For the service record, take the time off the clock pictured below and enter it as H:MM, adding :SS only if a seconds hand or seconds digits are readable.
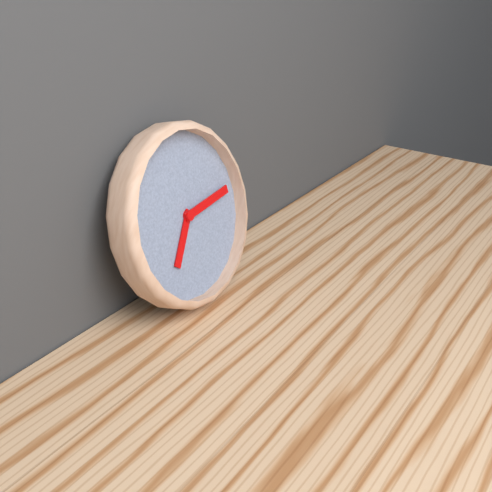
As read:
7:14
